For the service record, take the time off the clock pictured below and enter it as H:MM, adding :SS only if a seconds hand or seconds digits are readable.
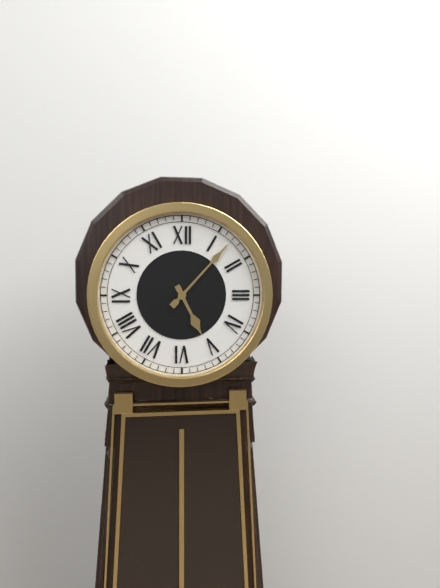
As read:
5:07
